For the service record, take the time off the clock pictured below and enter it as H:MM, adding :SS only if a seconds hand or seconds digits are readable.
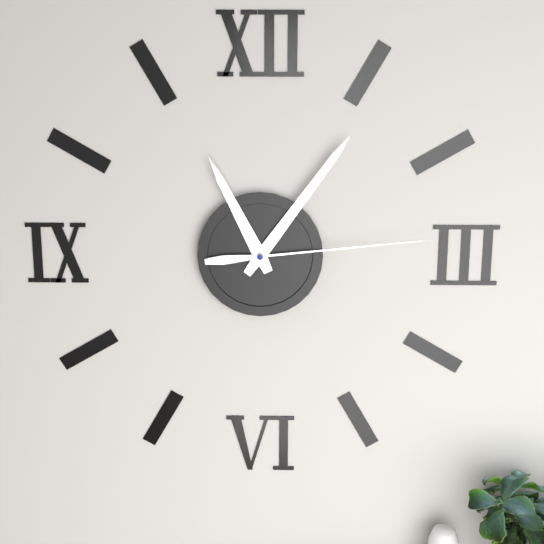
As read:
11:06:14
